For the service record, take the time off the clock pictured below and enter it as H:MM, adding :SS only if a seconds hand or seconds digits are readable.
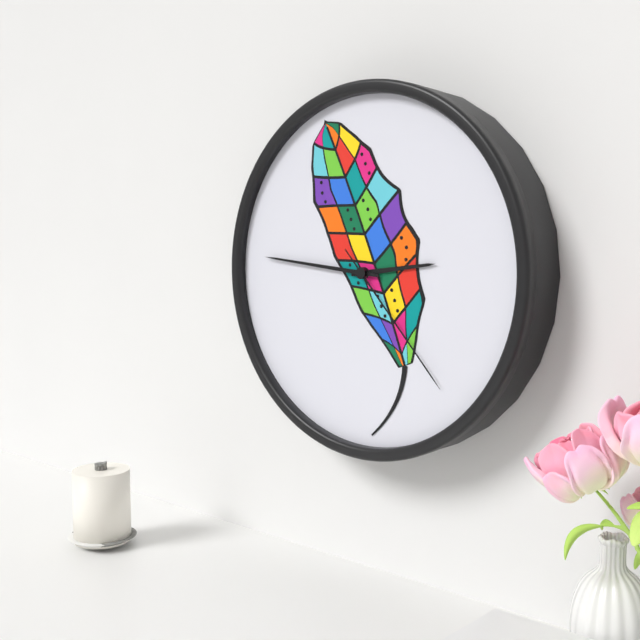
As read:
2:46:23
